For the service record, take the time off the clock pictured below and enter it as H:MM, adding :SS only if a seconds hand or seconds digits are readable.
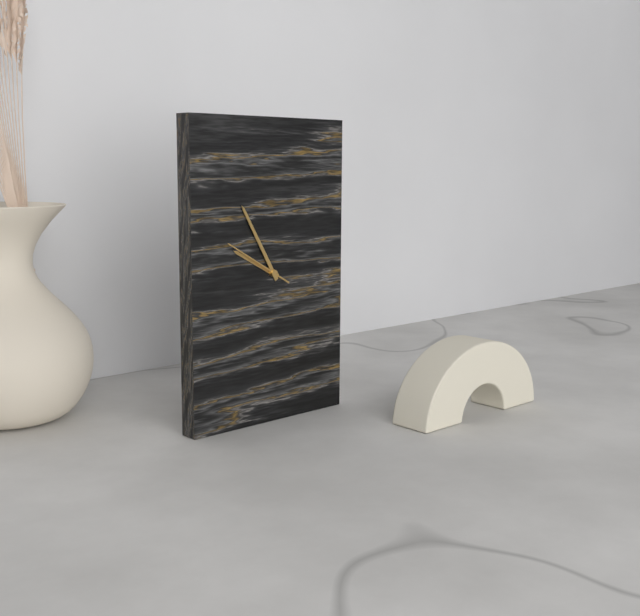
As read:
9:55:50
